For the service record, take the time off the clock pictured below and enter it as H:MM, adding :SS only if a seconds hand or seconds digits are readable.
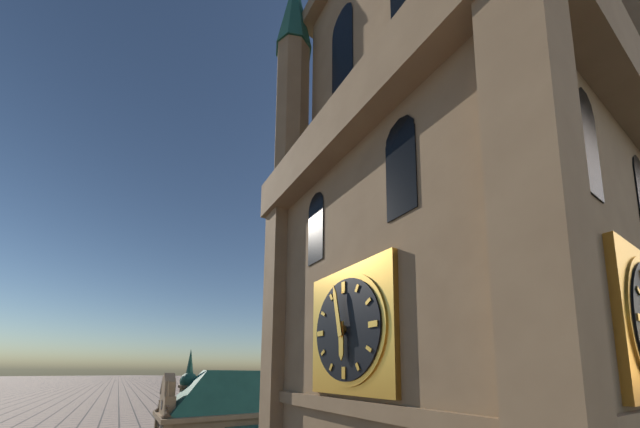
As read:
5:58
